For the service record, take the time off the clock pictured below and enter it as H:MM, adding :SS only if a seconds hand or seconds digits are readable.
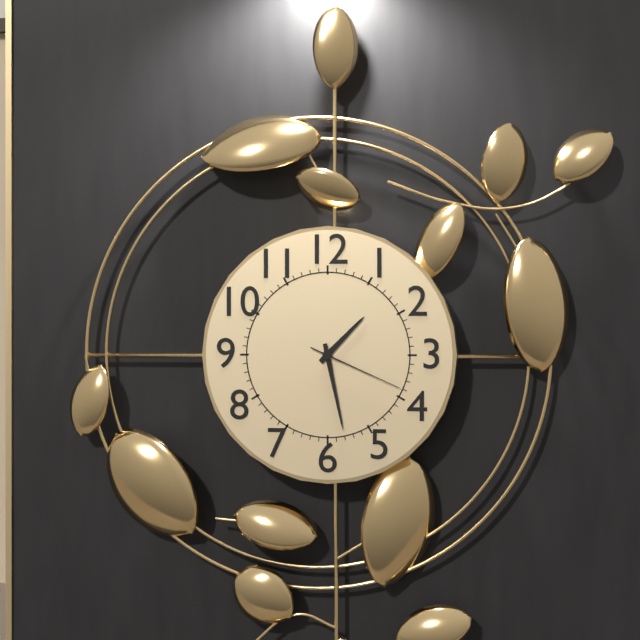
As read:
1:28:19
